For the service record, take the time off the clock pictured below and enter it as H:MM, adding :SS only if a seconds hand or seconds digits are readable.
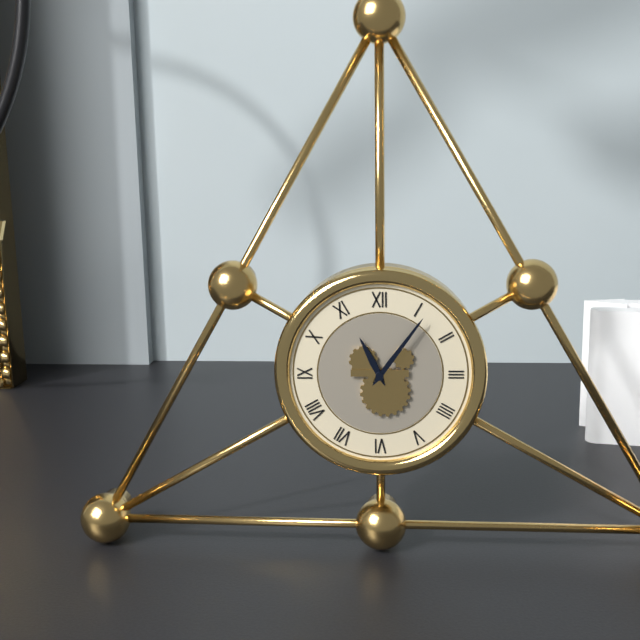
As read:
11:06
